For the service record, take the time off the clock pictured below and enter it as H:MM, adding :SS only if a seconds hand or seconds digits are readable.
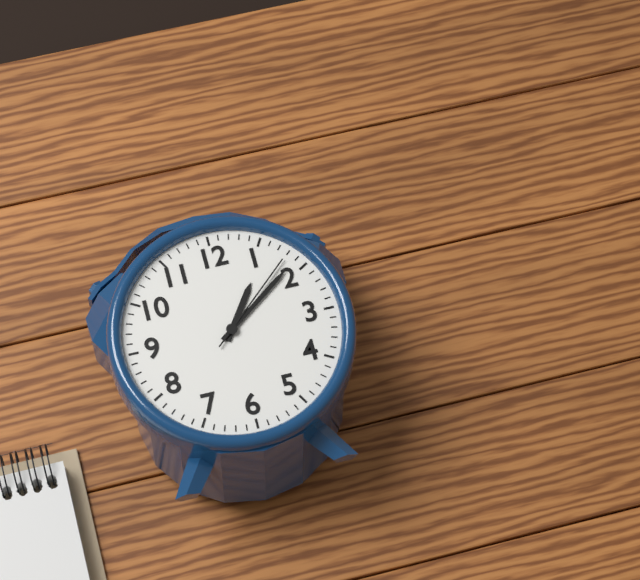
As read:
1:09:08
